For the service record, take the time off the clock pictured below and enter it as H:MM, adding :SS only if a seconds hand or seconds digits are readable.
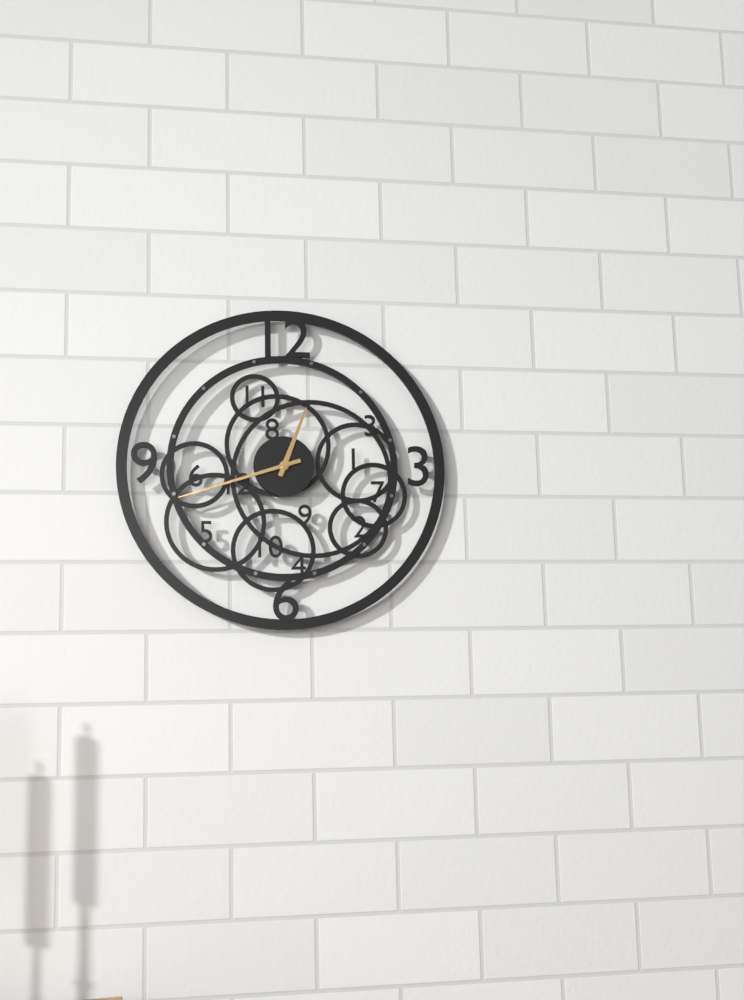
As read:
12:42
